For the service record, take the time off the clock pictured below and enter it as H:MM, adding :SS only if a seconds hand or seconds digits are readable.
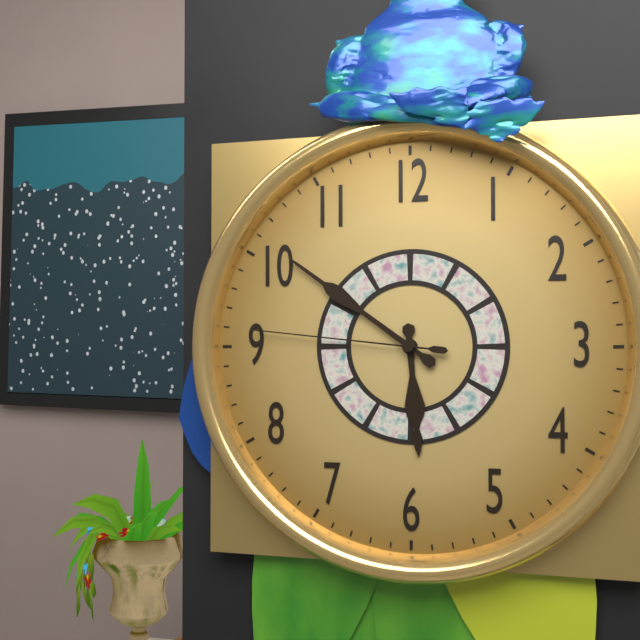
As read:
5:51:46
